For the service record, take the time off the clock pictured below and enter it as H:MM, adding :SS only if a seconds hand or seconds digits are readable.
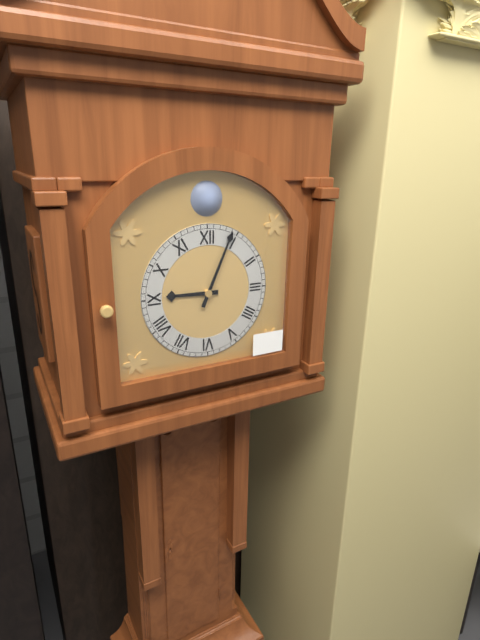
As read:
9:04
